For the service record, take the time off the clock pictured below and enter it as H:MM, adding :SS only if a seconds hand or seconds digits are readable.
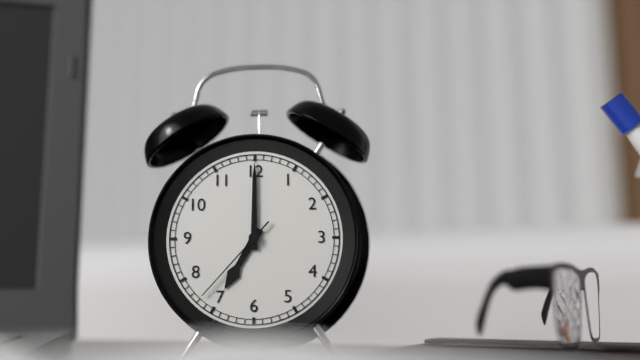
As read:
7:00:37
